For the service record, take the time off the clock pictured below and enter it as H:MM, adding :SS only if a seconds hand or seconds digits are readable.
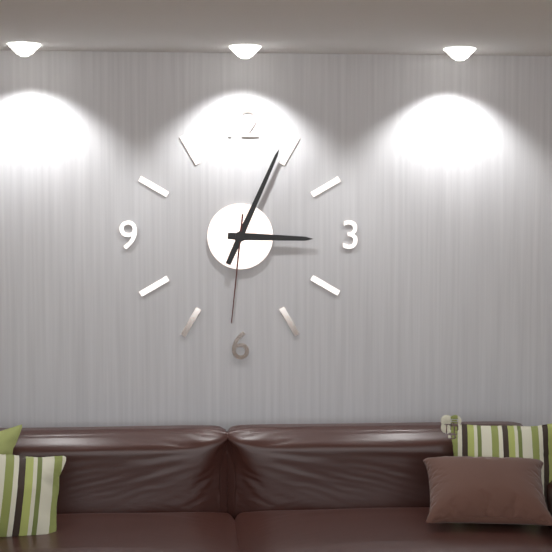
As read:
3:04:31
